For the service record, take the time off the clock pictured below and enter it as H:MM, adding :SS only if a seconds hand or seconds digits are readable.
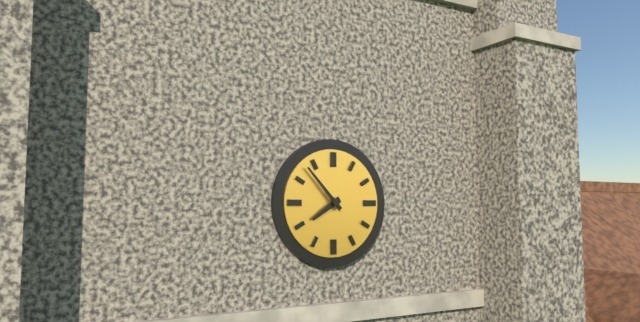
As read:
7:53
